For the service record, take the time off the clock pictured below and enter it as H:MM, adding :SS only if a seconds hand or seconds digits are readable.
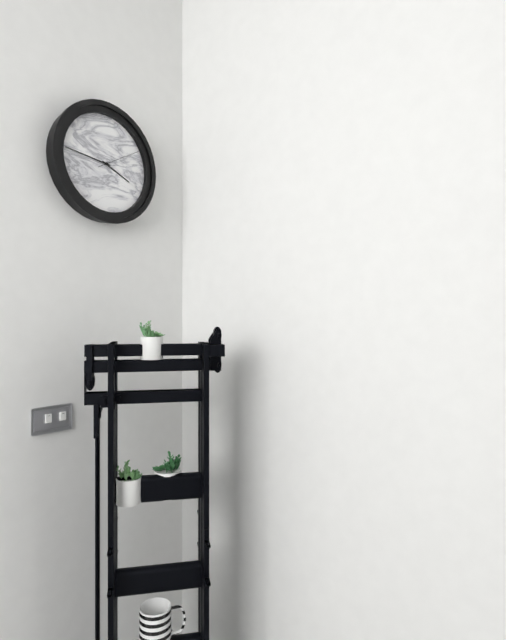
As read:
3:46
